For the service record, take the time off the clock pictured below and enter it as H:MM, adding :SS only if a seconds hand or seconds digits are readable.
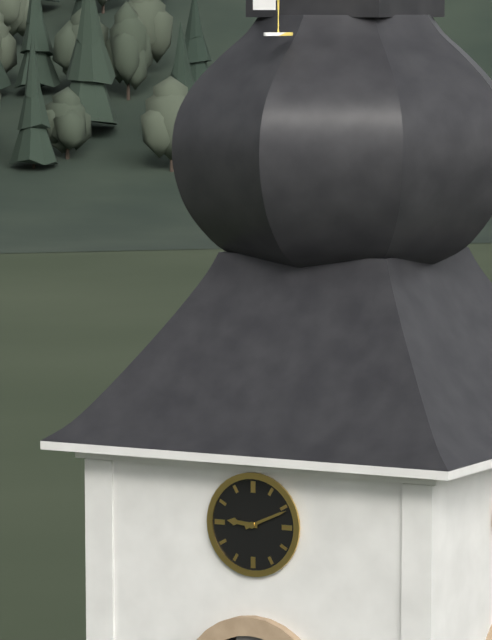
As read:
9:11
